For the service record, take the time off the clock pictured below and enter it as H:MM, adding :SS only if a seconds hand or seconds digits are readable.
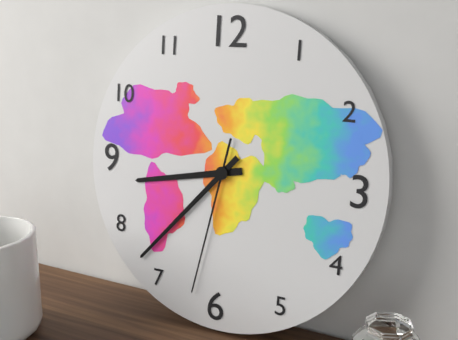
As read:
8:37:32
